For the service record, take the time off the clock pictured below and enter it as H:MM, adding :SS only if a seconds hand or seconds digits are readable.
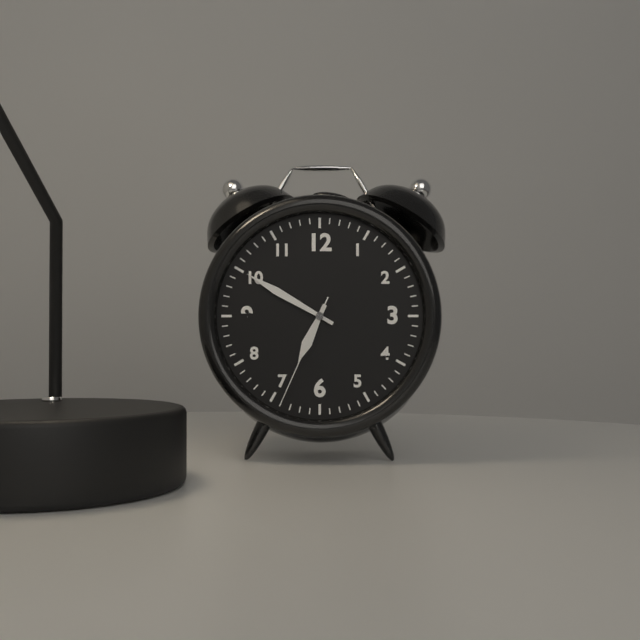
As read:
6:50:34
